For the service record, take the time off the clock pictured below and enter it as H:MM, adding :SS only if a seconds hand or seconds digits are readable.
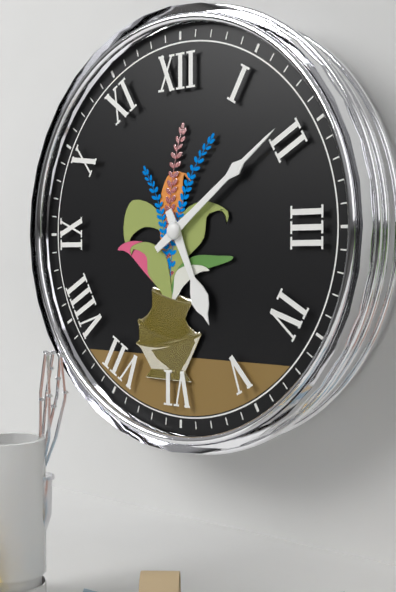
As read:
5:09
